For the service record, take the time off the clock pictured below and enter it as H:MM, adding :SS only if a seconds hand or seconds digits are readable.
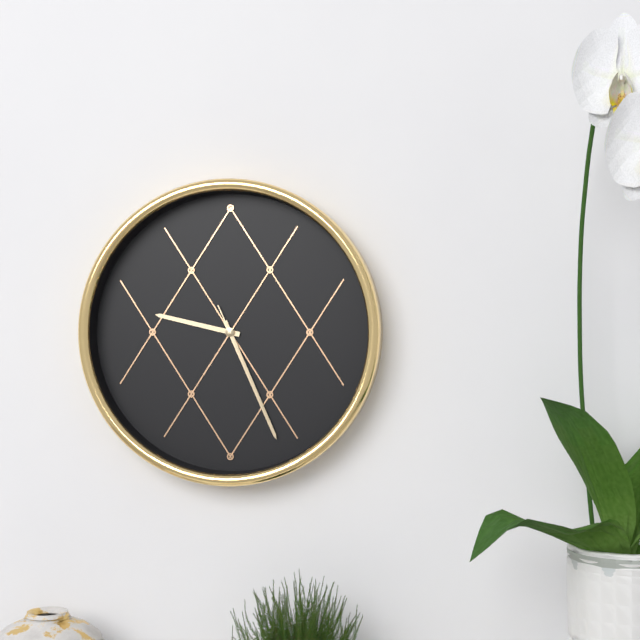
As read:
9:26:26
